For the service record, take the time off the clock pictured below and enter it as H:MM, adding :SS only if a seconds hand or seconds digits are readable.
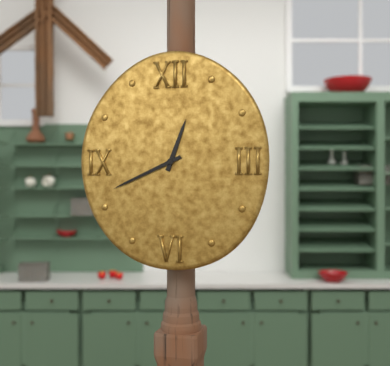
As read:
12:41
